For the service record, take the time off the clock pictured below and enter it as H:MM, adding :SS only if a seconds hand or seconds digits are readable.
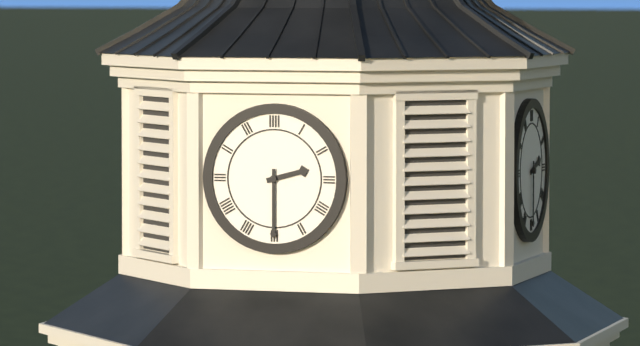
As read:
2:30
